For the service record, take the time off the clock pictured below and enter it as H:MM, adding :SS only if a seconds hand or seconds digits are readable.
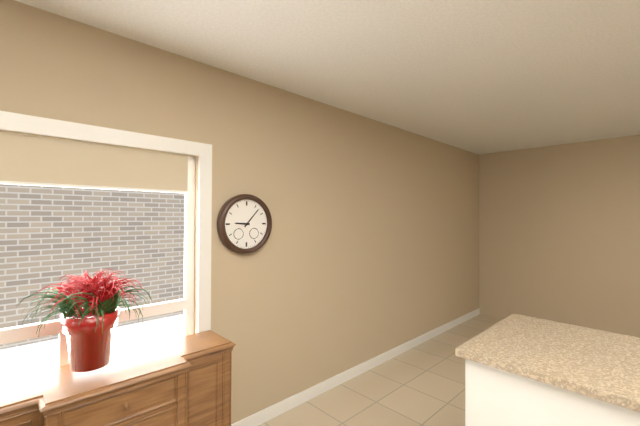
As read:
9:07
